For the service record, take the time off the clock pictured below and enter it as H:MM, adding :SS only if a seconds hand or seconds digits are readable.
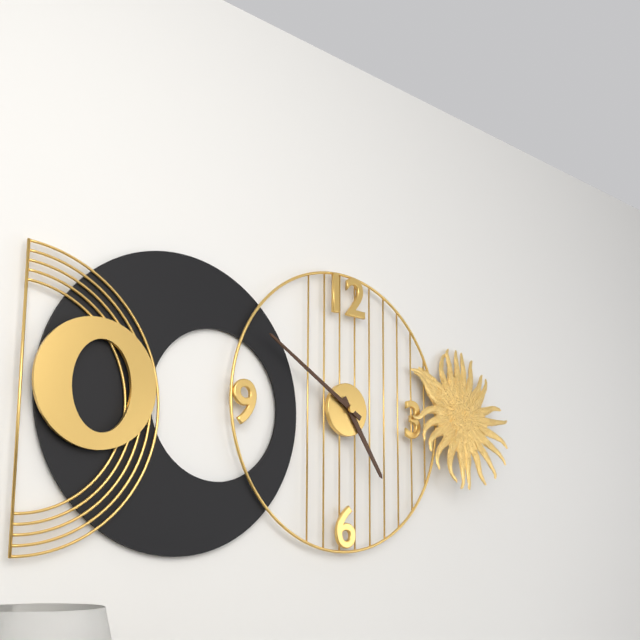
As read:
4:50
